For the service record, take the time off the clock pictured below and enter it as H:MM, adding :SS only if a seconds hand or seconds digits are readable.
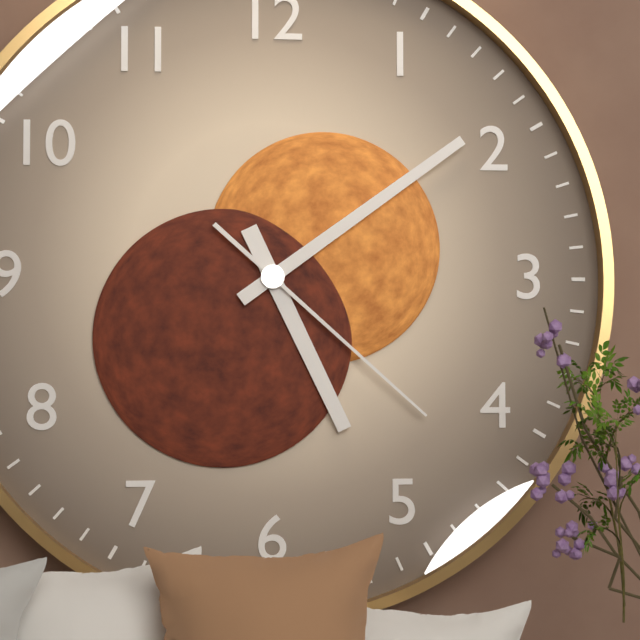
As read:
5:09:22
